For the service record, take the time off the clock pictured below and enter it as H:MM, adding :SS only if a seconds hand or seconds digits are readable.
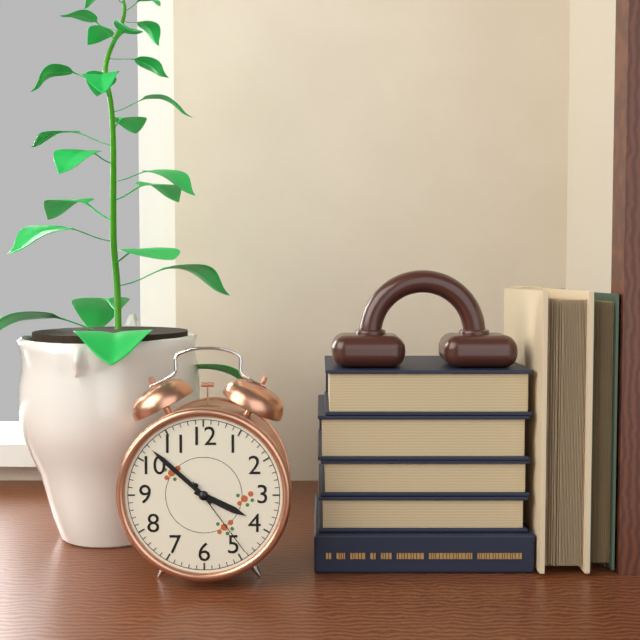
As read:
3:52:24
